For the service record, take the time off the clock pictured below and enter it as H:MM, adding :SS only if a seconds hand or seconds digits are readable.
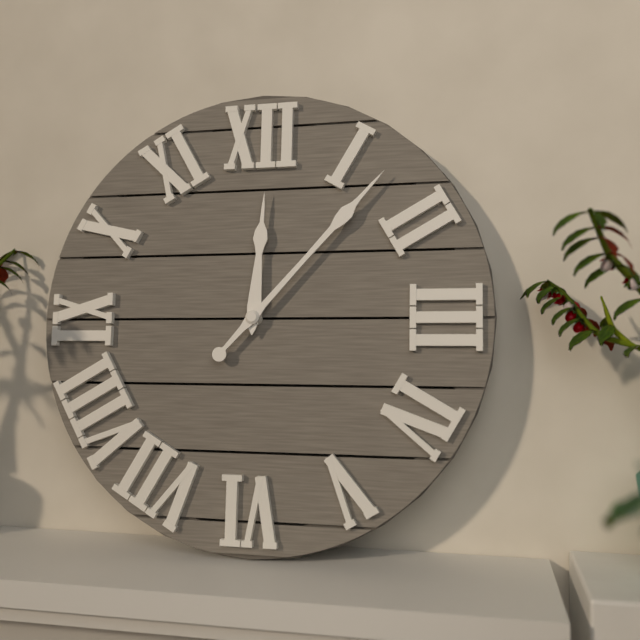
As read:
12:07
